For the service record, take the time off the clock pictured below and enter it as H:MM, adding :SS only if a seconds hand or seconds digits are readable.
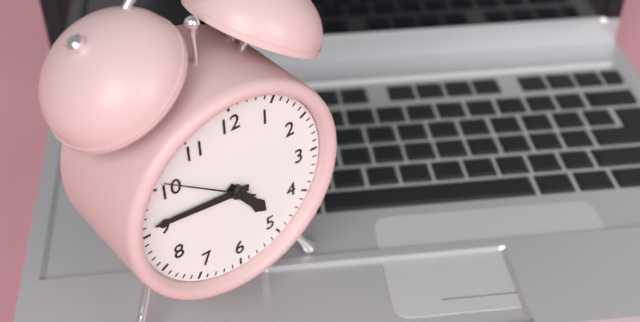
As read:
4:46:51
